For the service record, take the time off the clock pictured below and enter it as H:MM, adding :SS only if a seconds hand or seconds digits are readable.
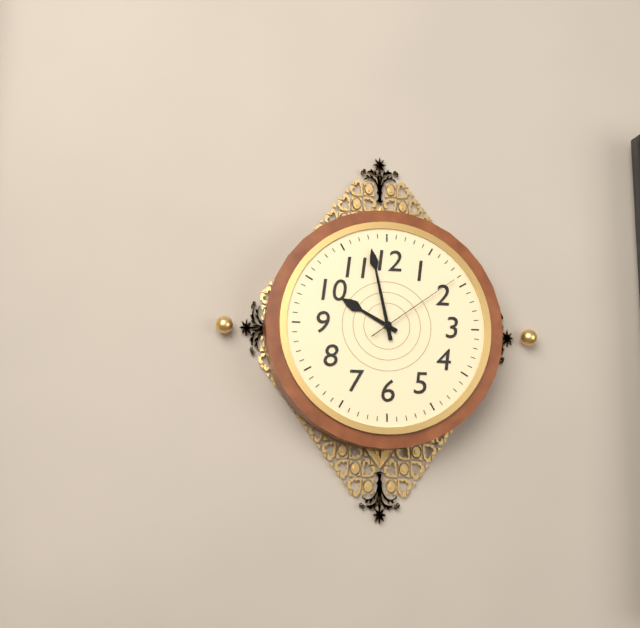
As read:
9:58:09
